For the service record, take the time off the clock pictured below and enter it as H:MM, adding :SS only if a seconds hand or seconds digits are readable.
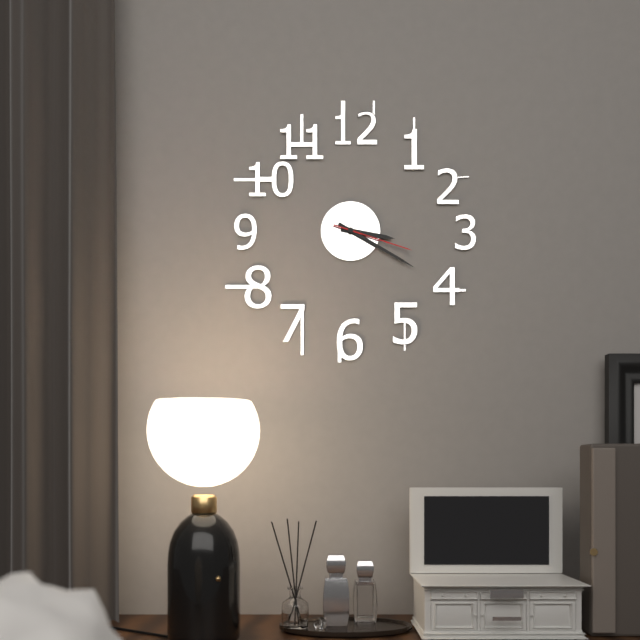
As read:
3:20:18
